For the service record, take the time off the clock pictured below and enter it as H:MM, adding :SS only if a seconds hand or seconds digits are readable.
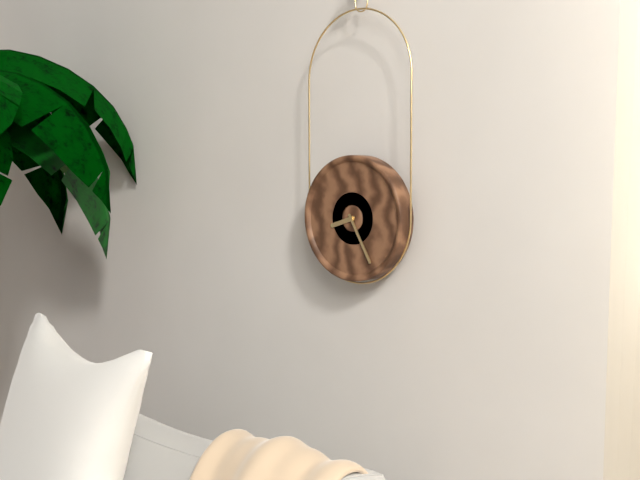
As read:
8:25
